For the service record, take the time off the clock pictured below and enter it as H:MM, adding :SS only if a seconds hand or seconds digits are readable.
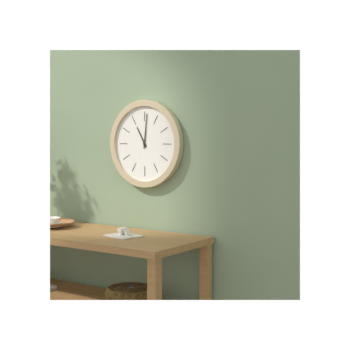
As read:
11:01
